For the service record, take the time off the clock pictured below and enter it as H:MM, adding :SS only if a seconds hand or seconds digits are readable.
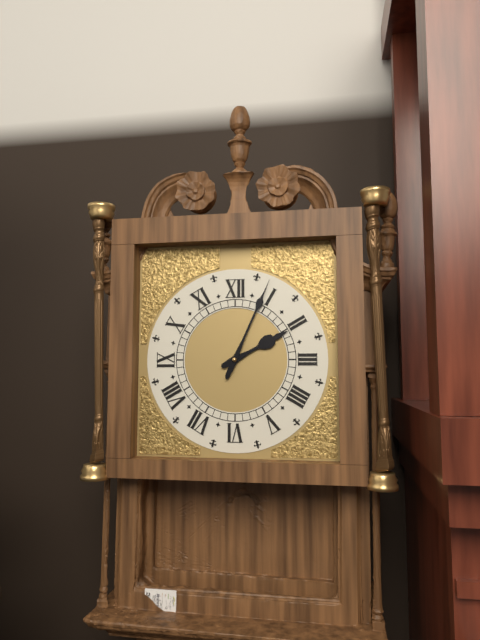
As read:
2:04
